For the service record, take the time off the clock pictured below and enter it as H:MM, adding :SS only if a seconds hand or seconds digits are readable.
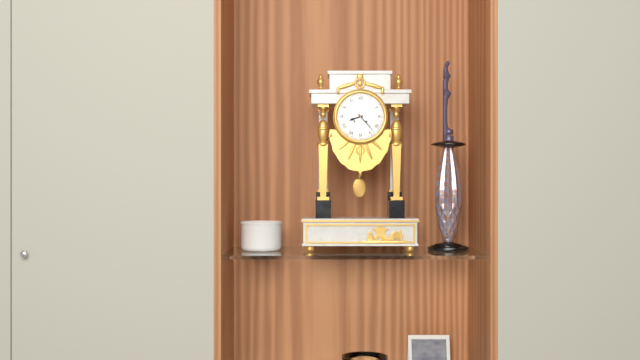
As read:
8:23
